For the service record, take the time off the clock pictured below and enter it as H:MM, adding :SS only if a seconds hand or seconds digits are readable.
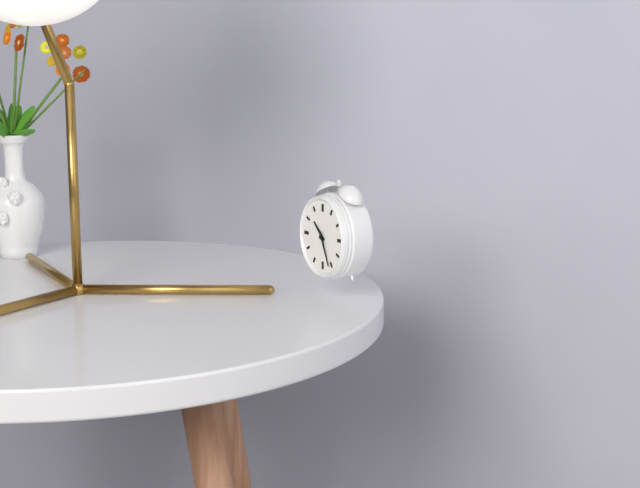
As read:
10:26
